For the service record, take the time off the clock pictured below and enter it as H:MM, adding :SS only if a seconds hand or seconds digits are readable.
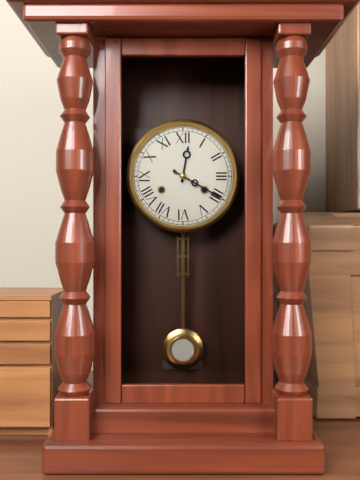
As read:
12:20
